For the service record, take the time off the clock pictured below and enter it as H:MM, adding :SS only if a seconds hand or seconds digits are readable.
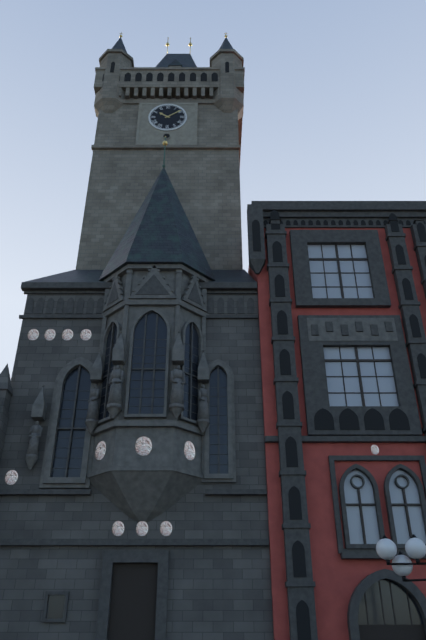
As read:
10:09
